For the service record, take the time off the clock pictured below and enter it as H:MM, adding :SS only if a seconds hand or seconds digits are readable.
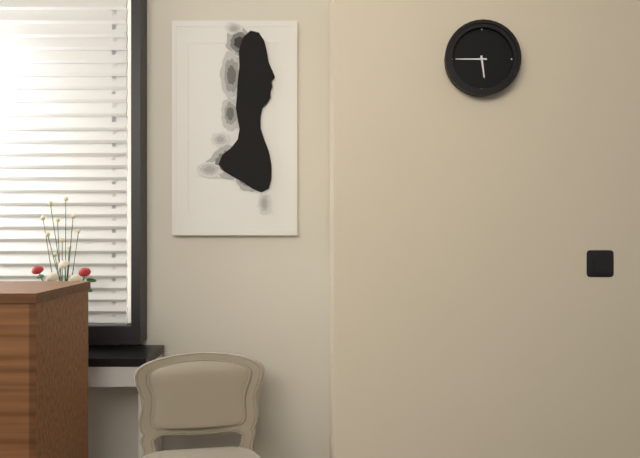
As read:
5:45
